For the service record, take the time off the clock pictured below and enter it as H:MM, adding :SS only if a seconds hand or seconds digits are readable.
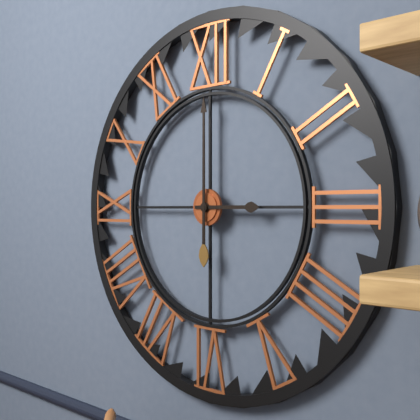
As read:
3:00
